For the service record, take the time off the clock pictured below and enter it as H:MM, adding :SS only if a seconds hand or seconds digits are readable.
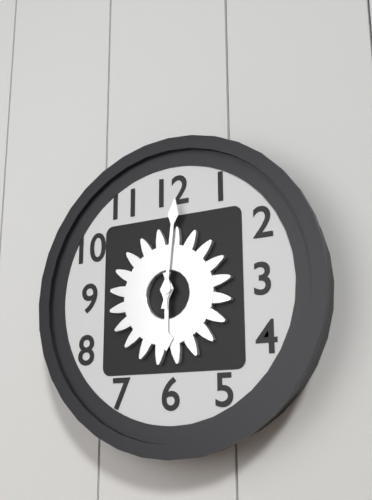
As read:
6:01
